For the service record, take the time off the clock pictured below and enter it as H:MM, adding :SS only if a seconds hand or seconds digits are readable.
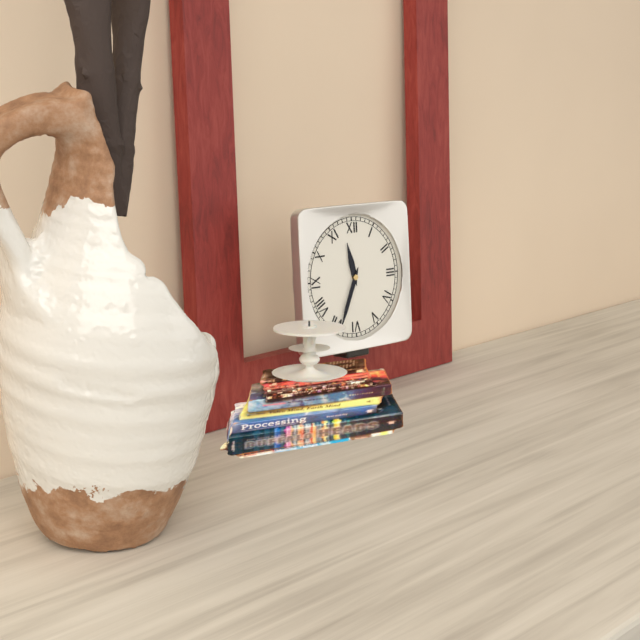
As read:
11:34
